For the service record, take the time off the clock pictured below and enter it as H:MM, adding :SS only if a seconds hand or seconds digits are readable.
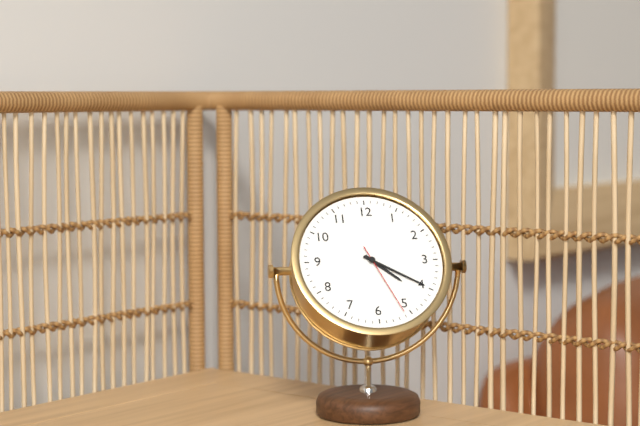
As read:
4:20:26
